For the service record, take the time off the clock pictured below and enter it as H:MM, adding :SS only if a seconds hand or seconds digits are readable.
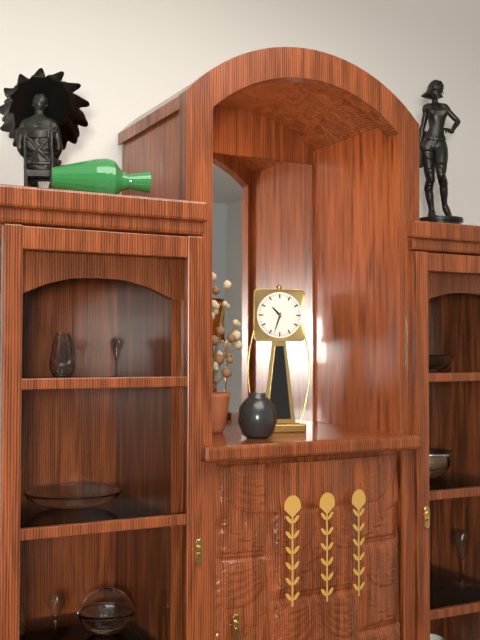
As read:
10:33
